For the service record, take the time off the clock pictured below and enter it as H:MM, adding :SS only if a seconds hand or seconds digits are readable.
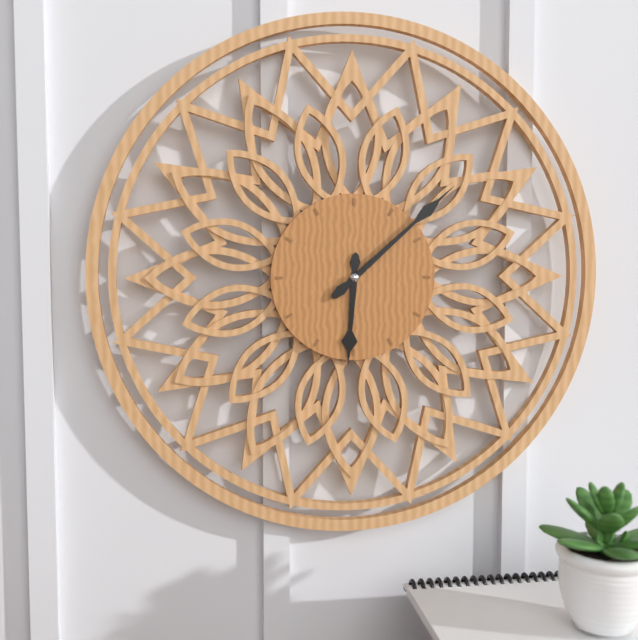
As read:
6:08
